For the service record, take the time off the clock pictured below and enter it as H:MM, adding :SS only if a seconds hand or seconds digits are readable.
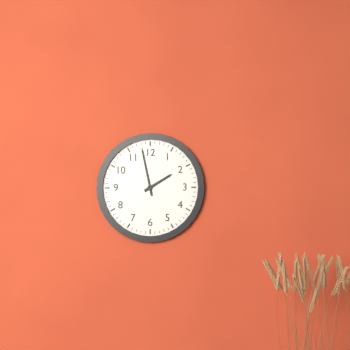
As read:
1:58
